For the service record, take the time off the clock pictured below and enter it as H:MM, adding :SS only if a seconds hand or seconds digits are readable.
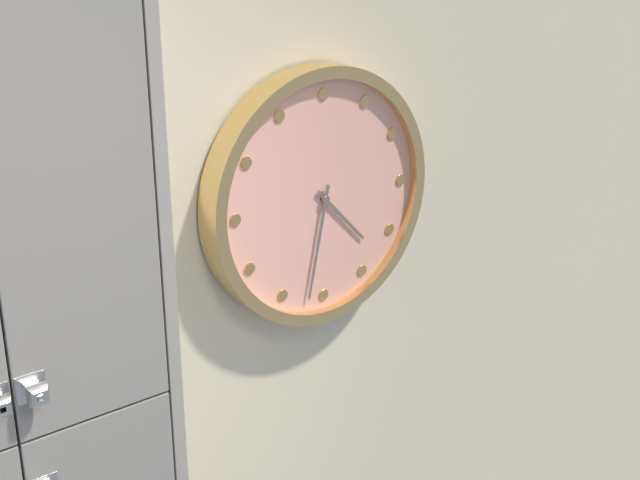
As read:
4:32
